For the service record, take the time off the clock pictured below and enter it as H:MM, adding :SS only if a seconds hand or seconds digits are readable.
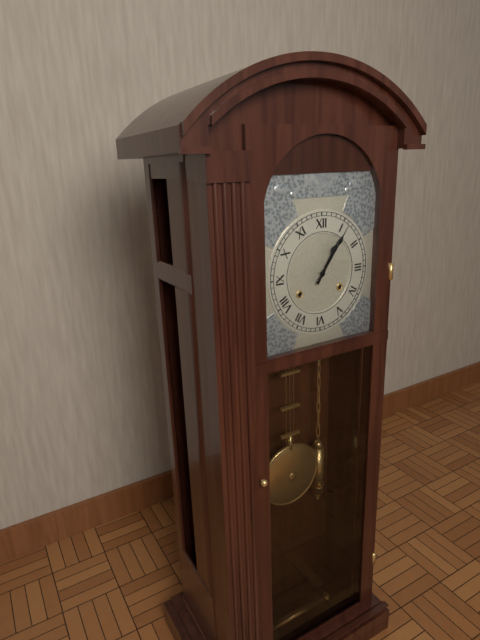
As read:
1:06
